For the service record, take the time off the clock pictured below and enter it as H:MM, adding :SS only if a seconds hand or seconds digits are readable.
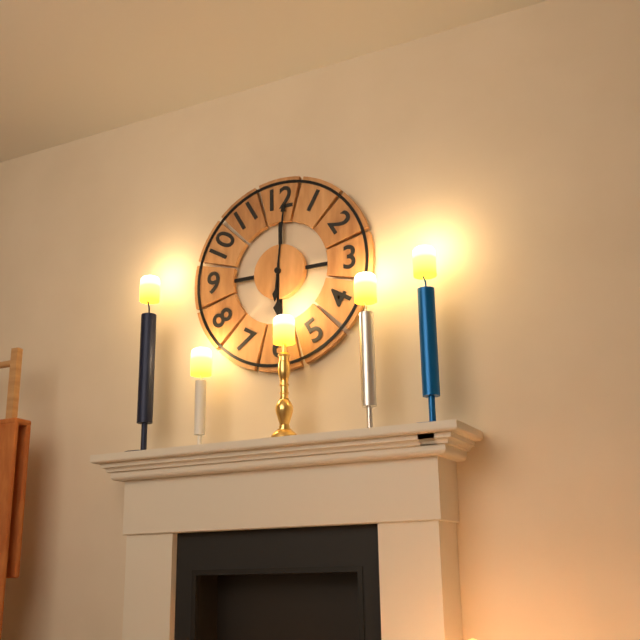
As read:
6:01
